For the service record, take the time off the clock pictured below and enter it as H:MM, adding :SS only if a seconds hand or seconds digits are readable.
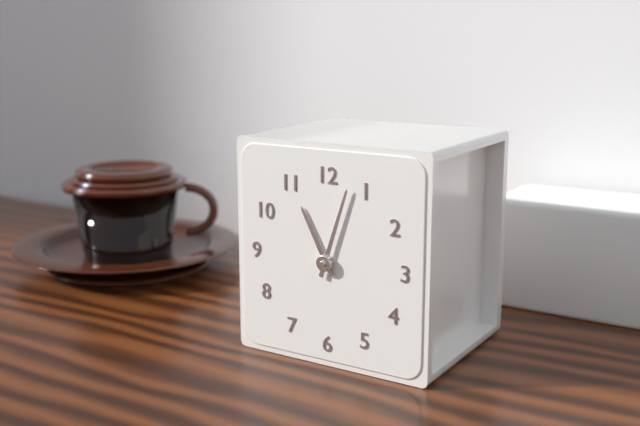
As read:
11:03
